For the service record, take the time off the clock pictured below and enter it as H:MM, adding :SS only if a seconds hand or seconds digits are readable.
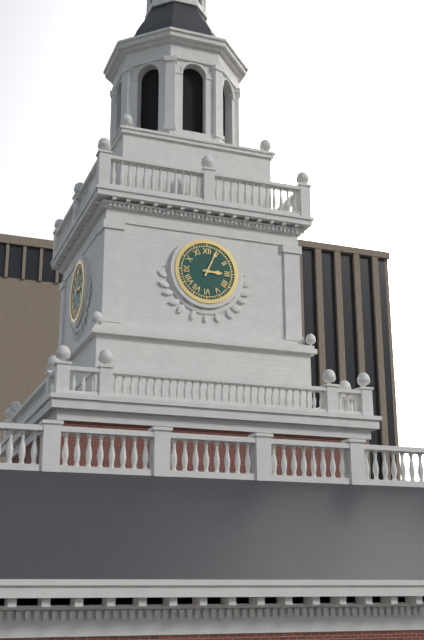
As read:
3:04
